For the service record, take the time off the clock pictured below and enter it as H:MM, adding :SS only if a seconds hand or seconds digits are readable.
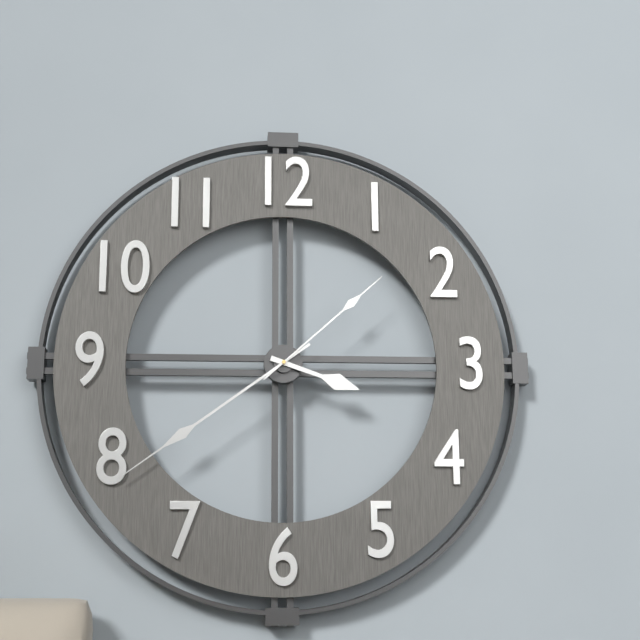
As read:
3:39:08
